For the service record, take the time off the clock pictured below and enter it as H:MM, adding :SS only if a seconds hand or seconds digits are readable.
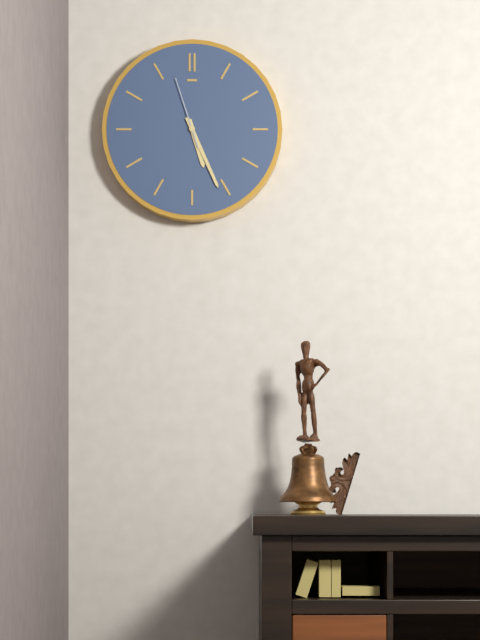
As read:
5:26:57
